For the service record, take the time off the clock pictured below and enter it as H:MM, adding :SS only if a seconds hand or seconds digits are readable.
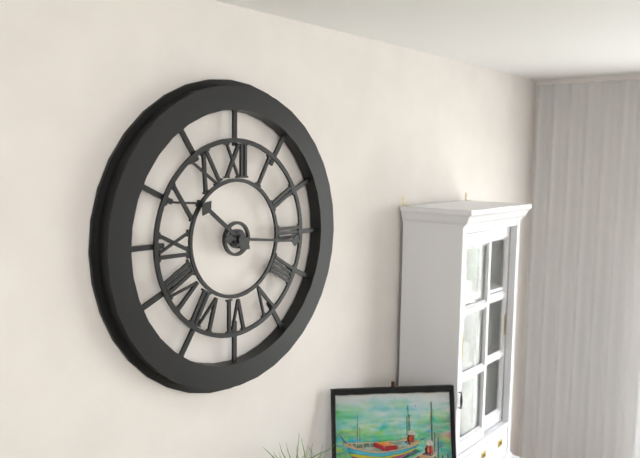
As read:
10:16
